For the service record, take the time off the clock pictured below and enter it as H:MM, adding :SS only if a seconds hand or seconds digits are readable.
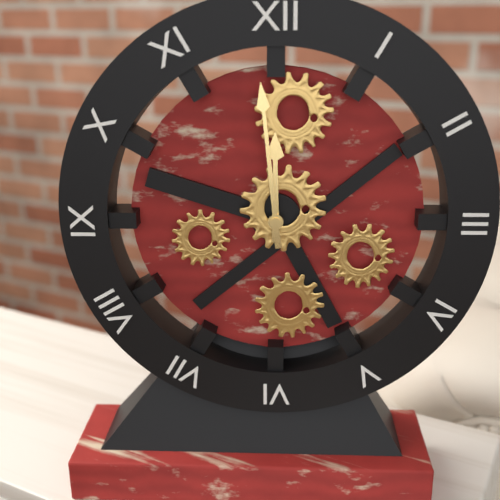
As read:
11:59
